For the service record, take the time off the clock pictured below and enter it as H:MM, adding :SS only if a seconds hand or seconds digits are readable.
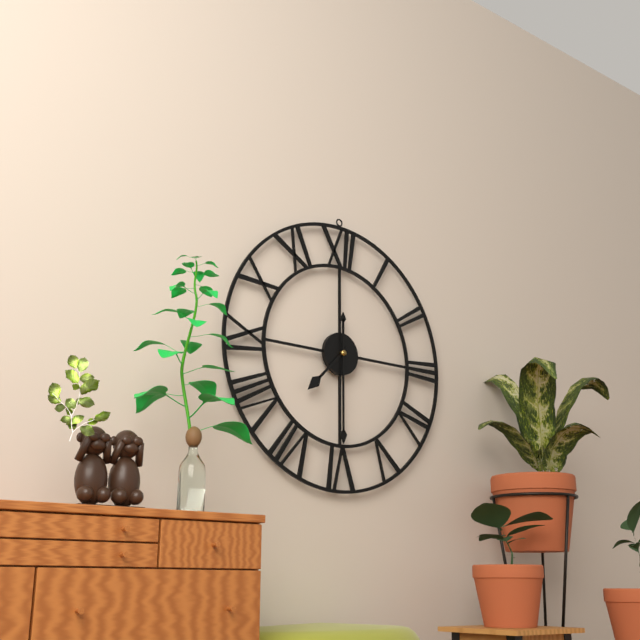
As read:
7:30
